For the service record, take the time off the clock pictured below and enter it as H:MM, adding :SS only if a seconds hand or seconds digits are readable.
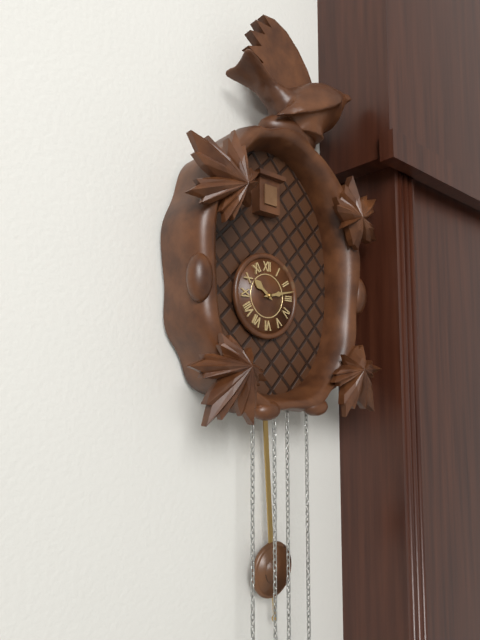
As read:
10:13
